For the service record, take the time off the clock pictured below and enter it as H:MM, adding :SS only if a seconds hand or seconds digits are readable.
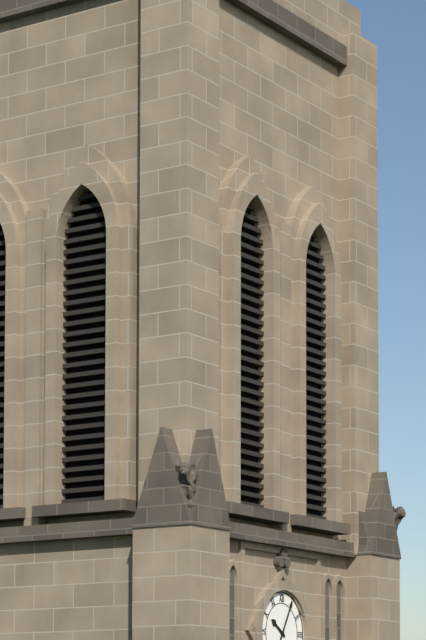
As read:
10:05
